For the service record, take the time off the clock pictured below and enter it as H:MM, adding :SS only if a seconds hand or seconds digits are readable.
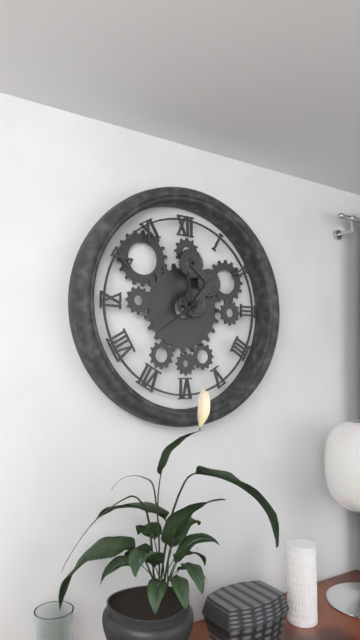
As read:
11:39
